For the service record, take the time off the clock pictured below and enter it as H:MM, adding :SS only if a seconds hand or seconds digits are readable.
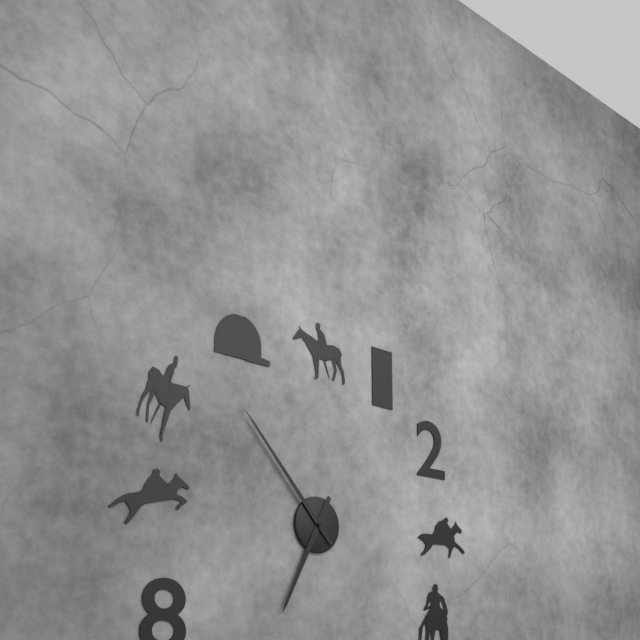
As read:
6:53
